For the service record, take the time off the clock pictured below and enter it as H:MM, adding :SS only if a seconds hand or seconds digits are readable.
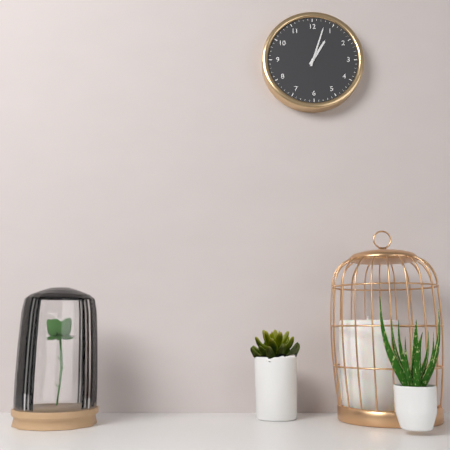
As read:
1:03
